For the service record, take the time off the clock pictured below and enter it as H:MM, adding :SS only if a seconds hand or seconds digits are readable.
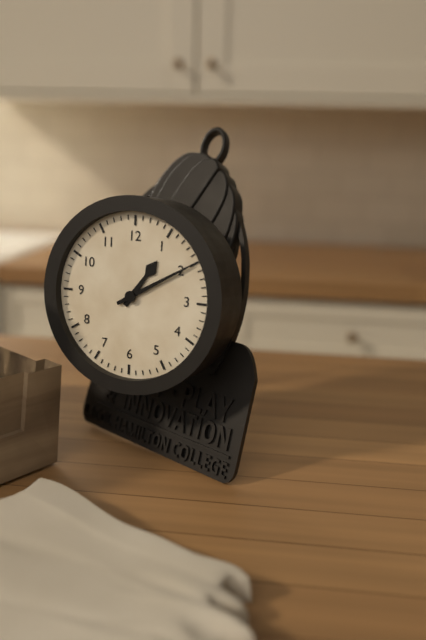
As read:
1:10
